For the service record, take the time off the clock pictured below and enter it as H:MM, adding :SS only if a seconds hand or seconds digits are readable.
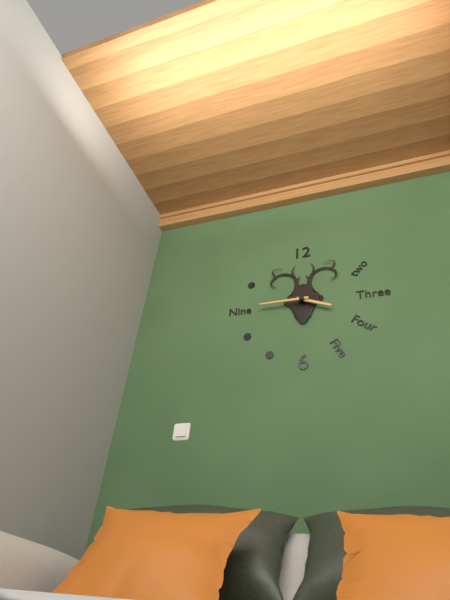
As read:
3:45
